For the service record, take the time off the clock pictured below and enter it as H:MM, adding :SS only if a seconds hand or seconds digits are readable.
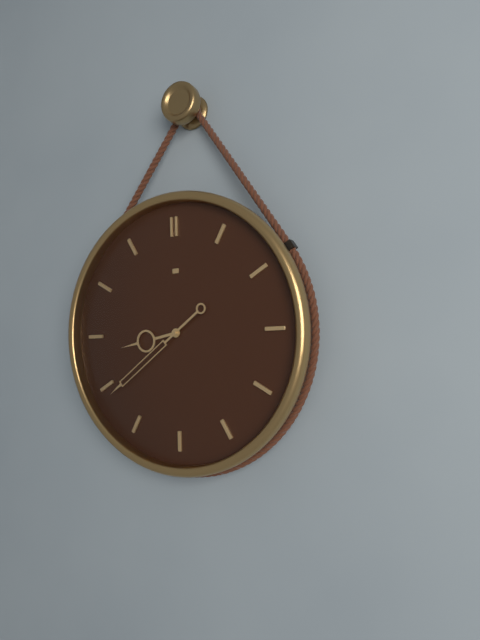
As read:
8:39
